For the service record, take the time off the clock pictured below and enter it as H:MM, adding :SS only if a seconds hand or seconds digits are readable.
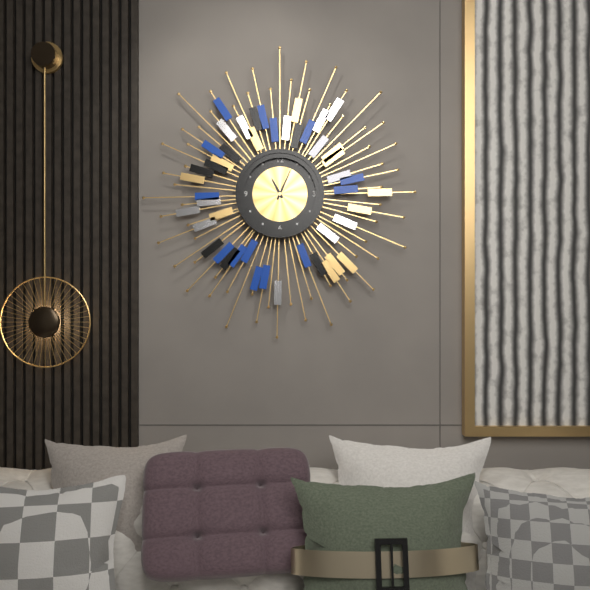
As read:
11:04
